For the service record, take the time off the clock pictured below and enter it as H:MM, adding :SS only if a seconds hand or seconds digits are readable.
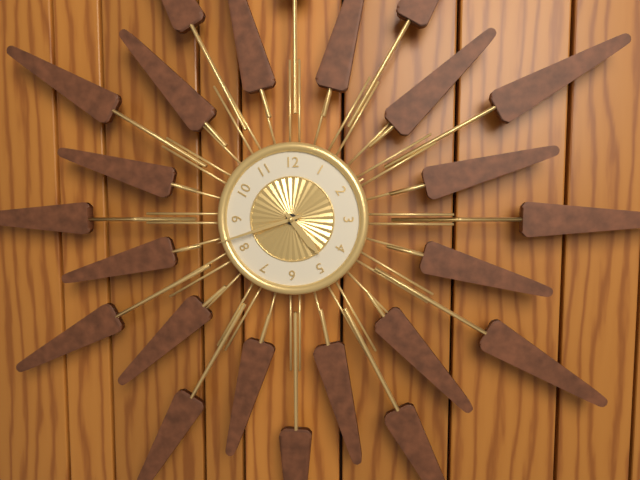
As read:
4:42
